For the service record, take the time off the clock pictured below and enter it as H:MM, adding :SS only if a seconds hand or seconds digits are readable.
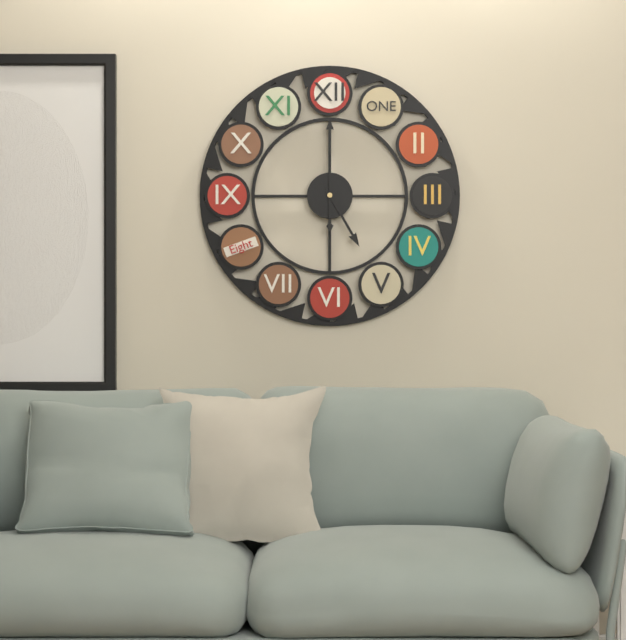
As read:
5:00
